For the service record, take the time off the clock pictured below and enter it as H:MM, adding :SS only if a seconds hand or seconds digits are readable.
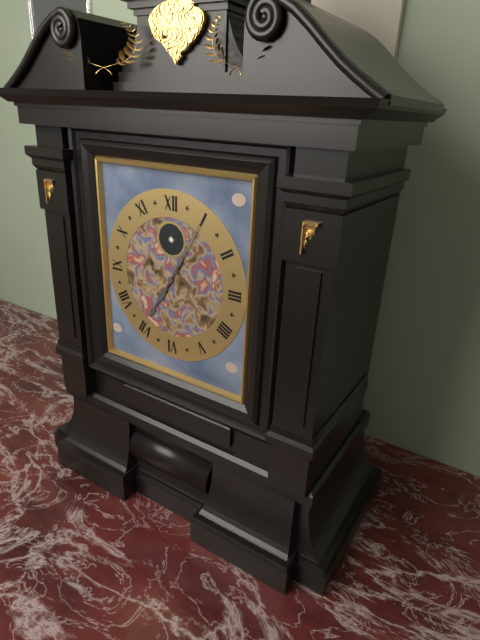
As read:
7:05
